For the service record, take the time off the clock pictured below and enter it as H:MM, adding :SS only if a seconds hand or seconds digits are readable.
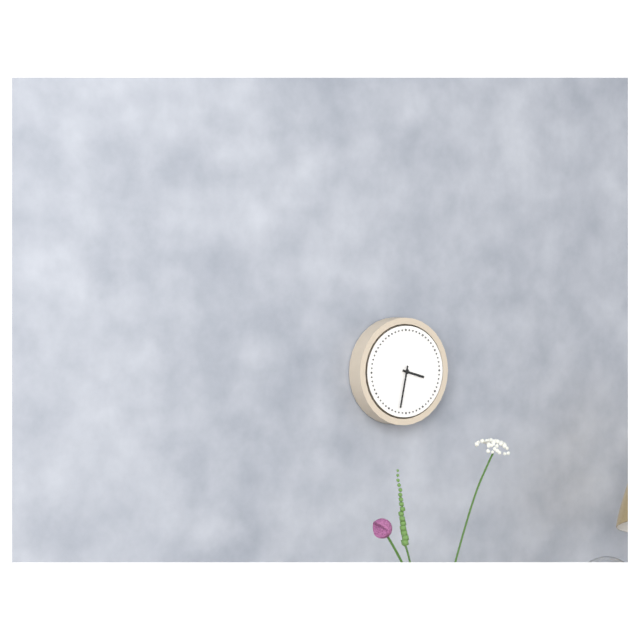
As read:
3:32
